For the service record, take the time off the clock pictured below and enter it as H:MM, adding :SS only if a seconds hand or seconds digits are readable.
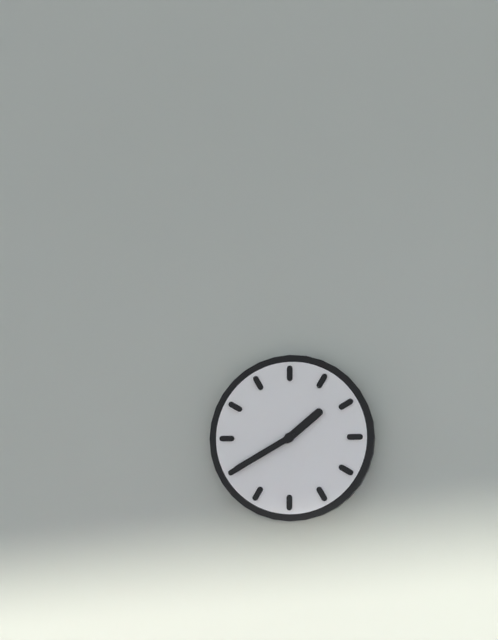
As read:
1:40
